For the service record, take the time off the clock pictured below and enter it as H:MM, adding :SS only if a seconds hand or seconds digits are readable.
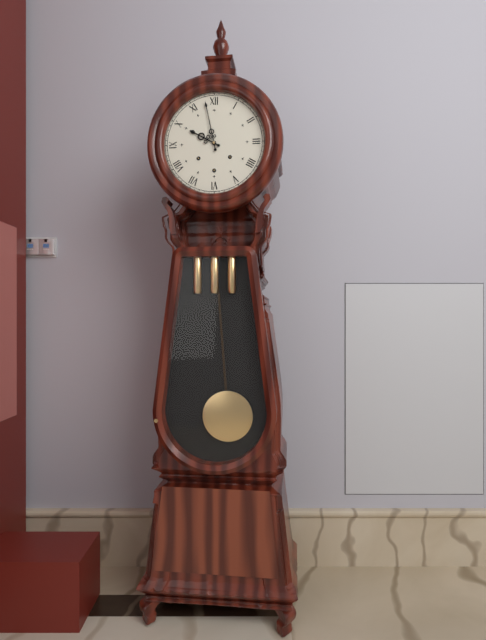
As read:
9:58
